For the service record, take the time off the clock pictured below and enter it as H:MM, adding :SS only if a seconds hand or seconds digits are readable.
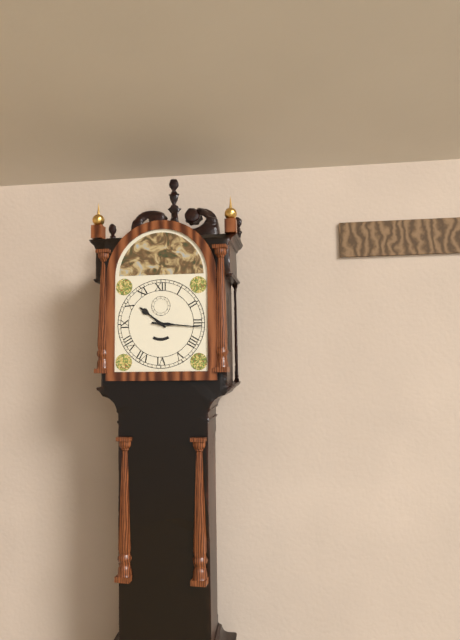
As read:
10:16
